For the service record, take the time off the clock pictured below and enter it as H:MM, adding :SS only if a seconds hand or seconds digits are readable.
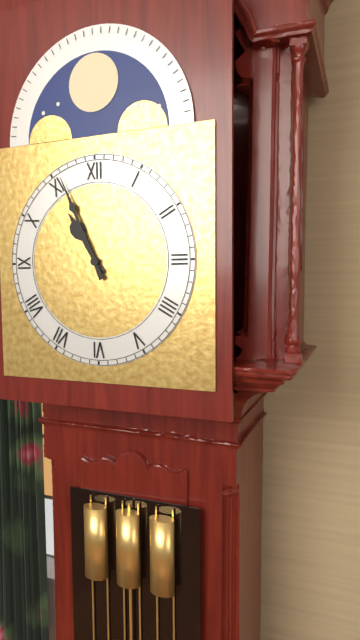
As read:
10:56
